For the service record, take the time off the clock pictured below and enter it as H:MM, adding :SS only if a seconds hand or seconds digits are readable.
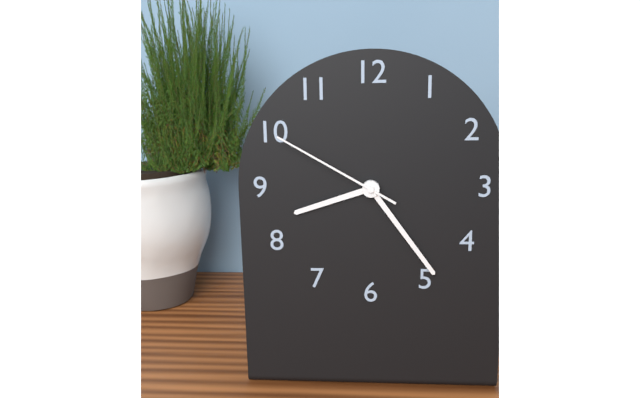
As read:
8:24:50
